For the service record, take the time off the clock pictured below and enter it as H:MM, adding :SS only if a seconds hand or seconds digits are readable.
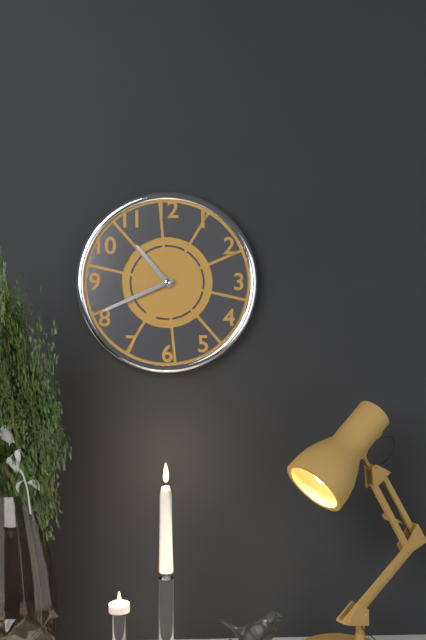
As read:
10:41
